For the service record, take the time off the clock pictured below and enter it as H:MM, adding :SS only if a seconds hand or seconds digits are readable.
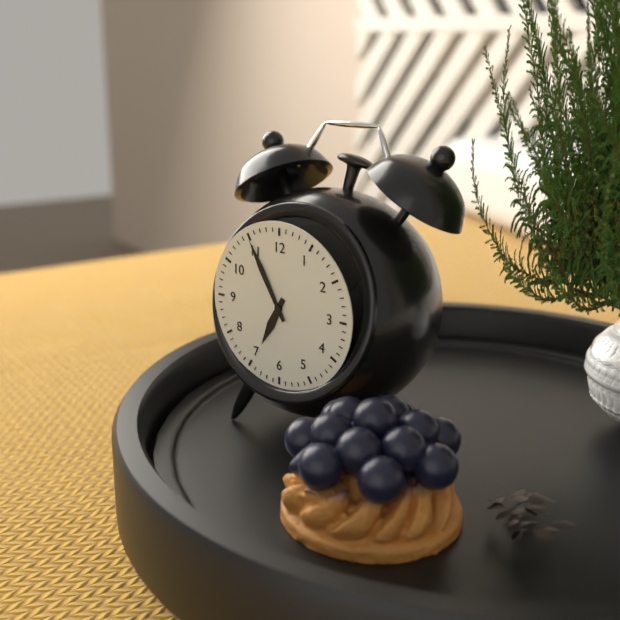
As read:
6:55
